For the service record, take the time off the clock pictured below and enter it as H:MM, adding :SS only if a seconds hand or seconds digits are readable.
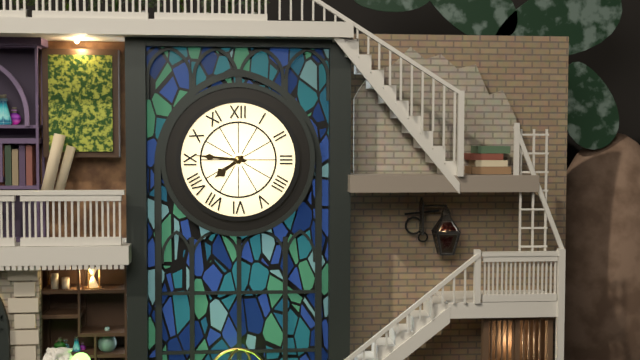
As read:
7:46
